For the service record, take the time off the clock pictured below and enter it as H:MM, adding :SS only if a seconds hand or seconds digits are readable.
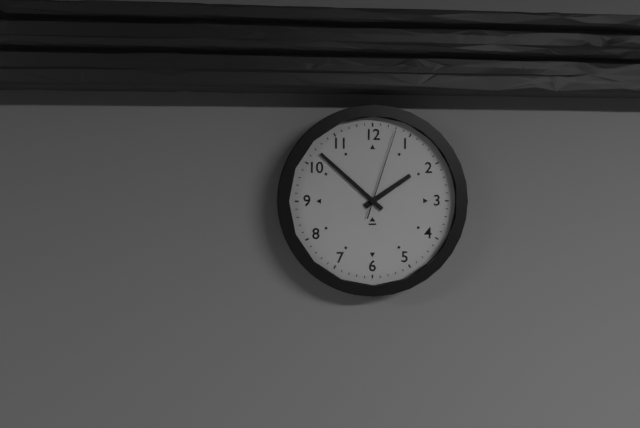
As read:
1:52:03
